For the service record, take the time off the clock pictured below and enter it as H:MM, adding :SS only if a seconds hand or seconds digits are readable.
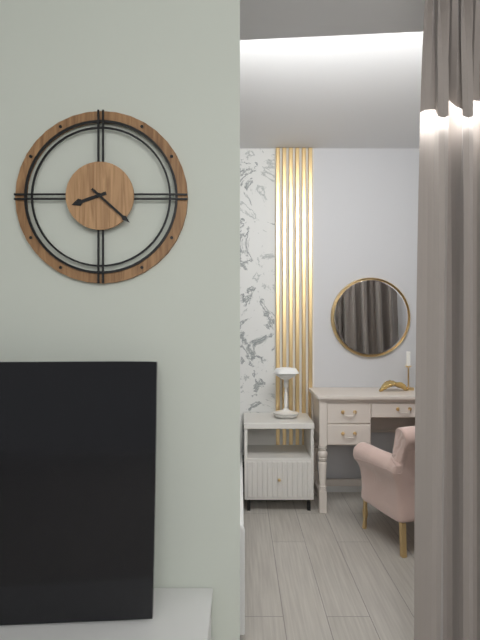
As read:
8:22
